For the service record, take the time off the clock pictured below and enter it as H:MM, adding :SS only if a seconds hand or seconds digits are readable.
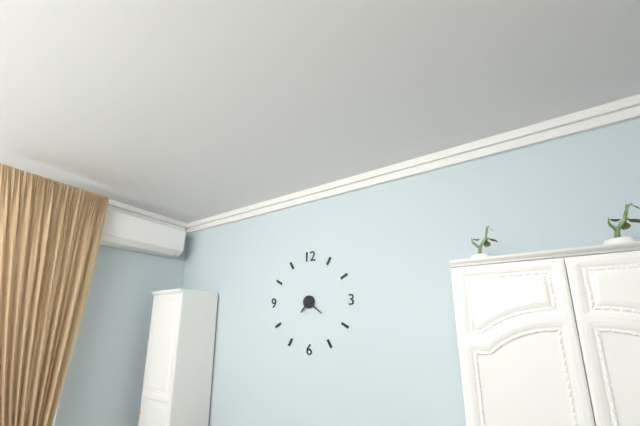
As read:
7:21
